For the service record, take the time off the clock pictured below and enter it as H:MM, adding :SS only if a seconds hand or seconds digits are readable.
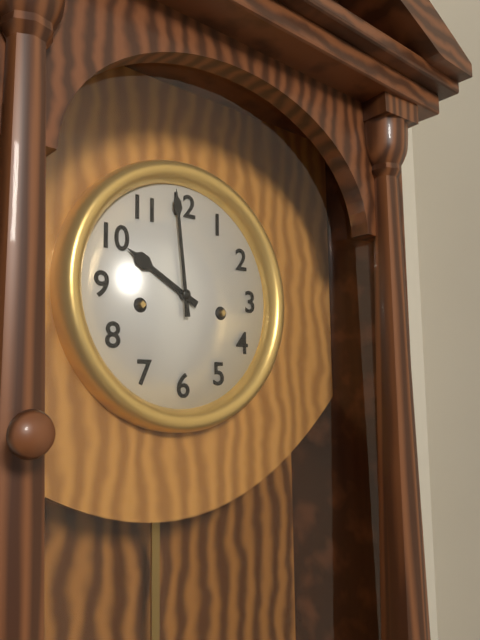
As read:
9:59
